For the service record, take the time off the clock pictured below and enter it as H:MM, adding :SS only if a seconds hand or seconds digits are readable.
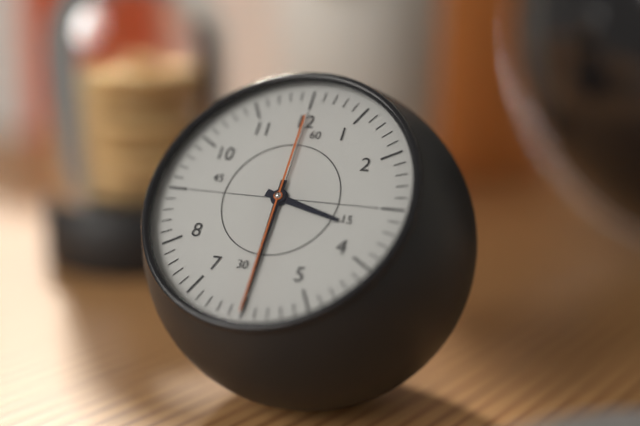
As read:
3:30:30
